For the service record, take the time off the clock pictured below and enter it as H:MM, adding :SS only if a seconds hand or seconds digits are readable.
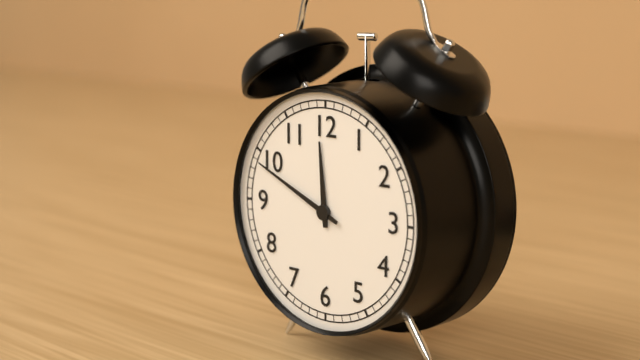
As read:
11:49
